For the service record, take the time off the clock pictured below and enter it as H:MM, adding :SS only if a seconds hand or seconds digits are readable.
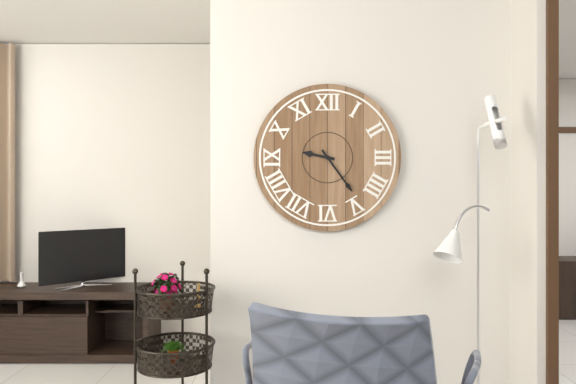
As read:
9:24
